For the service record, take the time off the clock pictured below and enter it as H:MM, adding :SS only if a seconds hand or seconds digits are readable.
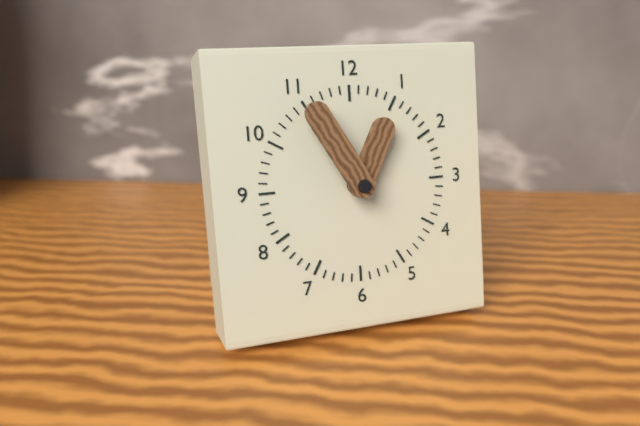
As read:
12:55
